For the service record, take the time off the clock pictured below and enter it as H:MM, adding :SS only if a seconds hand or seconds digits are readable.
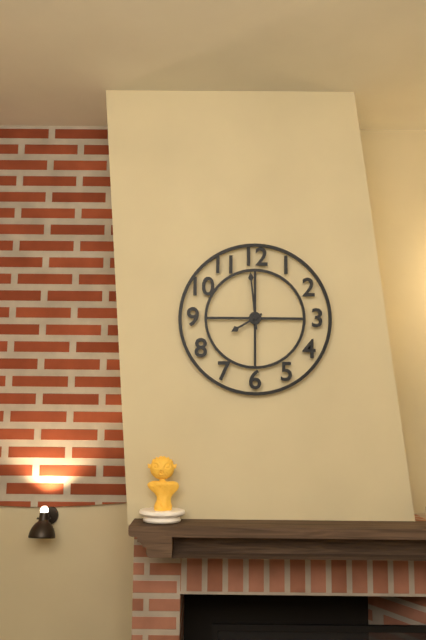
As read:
7:59
